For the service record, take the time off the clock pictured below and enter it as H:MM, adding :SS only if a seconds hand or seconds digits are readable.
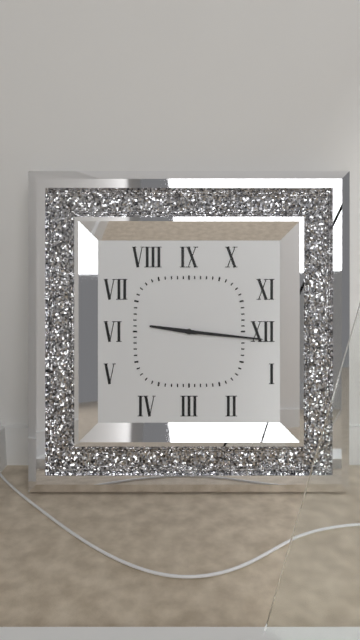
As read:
9:16
